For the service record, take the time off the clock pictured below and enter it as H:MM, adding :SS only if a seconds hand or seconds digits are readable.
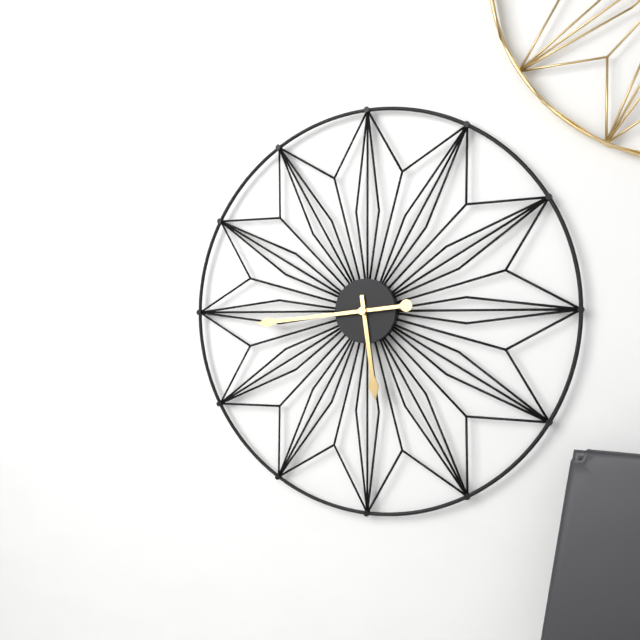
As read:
5:44
